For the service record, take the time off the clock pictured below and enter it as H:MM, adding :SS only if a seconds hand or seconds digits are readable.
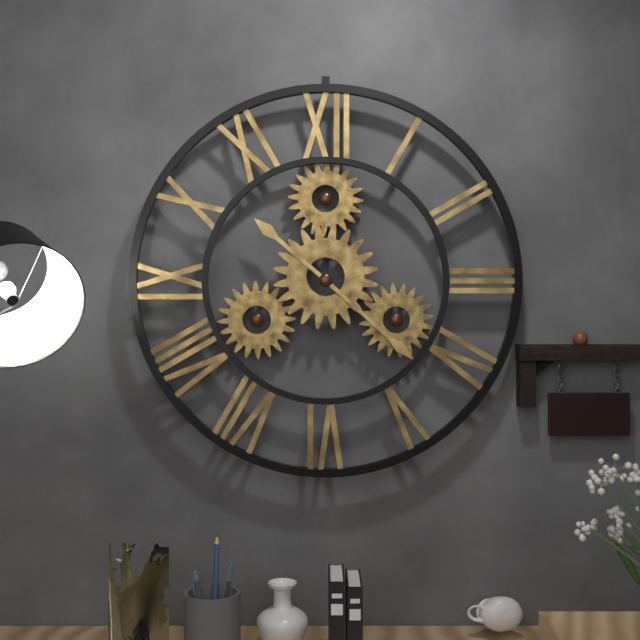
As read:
10:22
